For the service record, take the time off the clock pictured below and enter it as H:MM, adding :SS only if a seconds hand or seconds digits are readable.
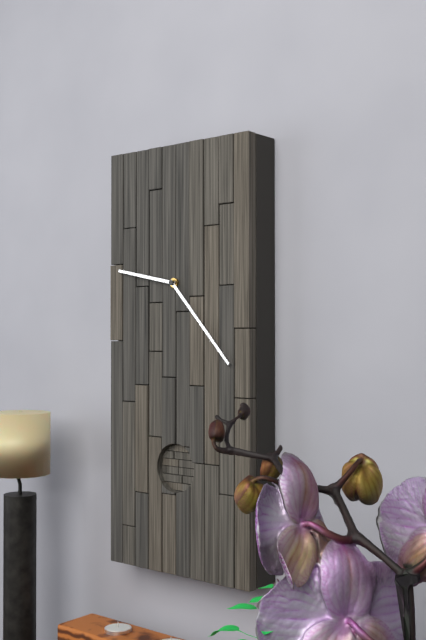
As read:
9:23
